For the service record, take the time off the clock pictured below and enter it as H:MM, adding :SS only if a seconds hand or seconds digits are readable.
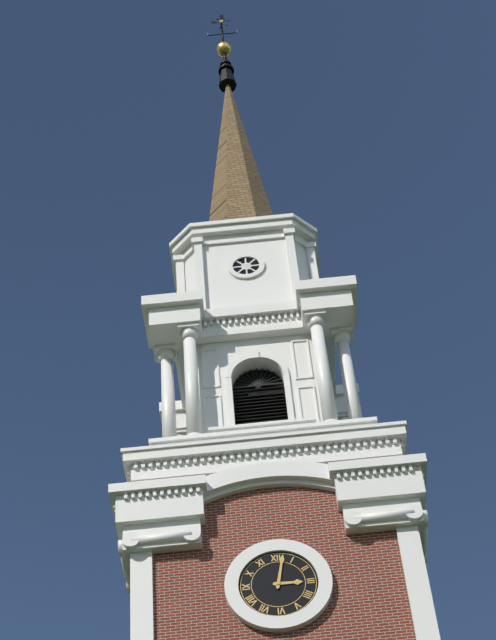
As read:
3:02
